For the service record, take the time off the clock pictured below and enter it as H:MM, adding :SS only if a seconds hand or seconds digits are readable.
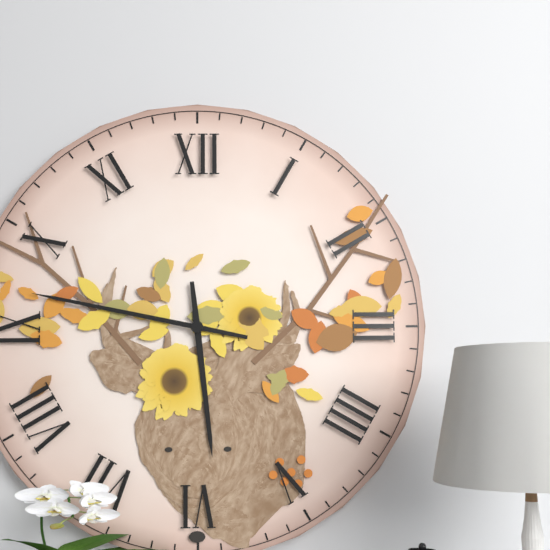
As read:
5:47
